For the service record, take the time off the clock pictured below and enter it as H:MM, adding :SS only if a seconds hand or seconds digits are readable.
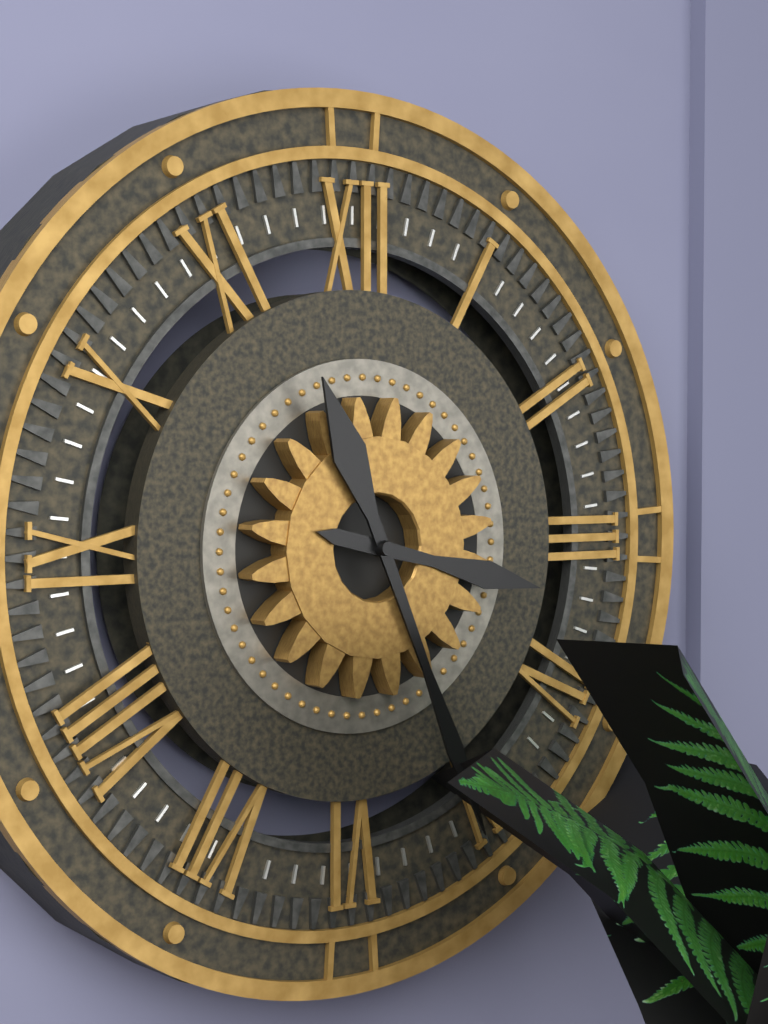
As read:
3:26
